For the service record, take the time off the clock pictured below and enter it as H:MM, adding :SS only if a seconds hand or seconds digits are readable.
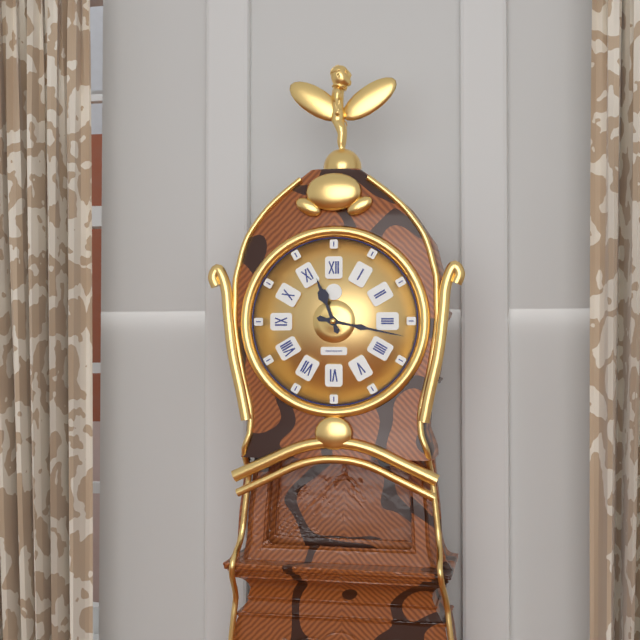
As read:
11:17
